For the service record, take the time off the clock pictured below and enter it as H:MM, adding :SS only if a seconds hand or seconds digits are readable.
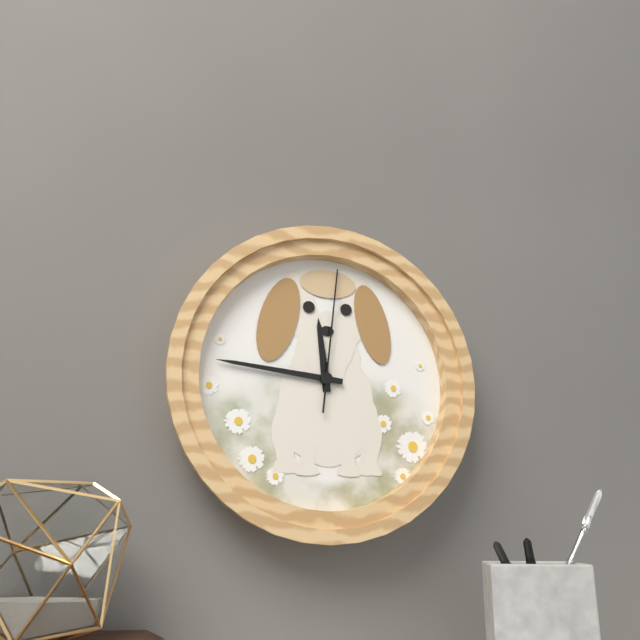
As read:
11:46:01
